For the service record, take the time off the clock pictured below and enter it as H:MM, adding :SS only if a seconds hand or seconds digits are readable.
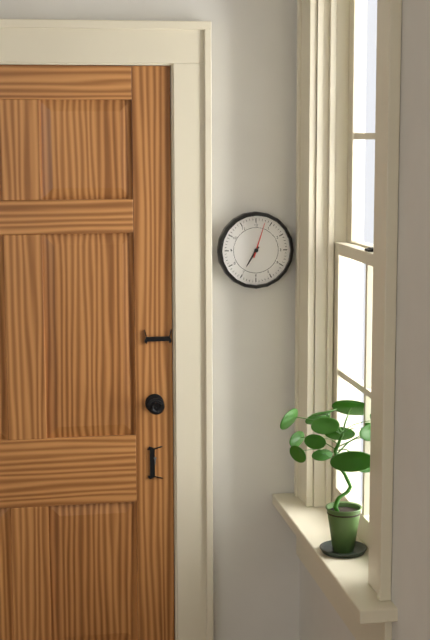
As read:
7:03
